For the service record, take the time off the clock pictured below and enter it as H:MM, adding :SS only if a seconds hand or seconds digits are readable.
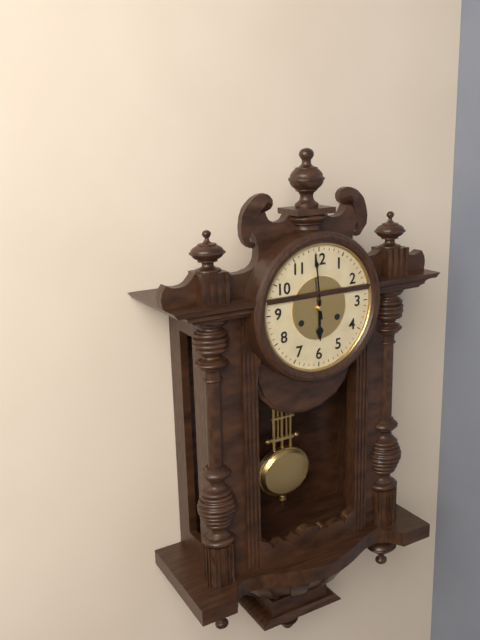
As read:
5:59
